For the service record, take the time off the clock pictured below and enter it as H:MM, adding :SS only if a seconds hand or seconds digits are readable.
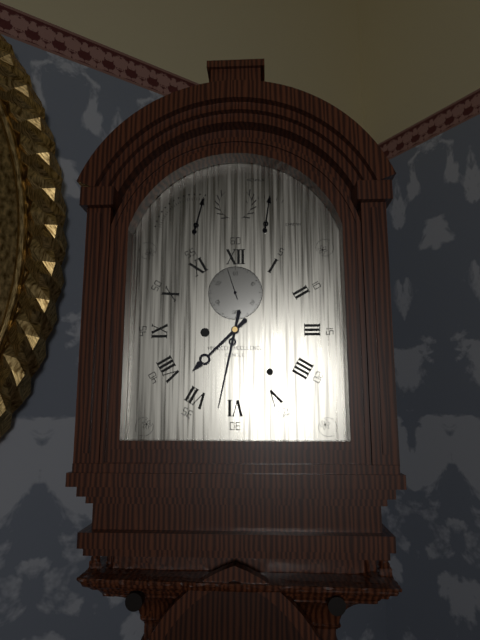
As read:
7:32
